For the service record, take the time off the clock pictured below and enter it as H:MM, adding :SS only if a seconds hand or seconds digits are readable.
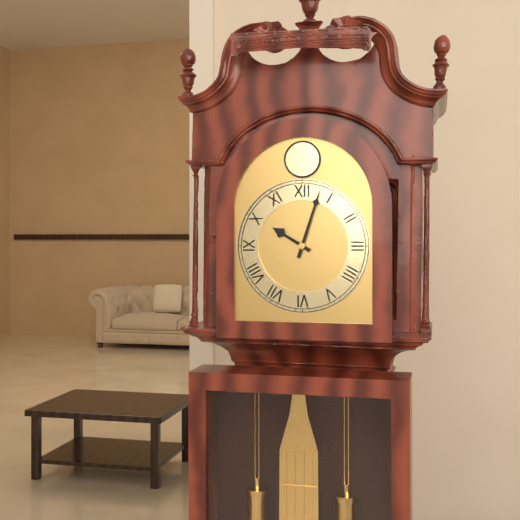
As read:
10:03
